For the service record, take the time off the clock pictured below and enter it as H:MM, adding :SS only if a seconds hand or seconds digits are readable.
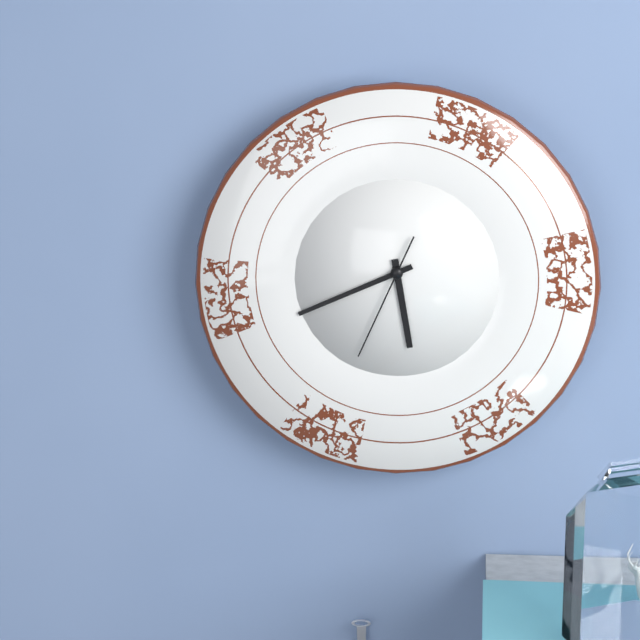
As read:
5:41:34
